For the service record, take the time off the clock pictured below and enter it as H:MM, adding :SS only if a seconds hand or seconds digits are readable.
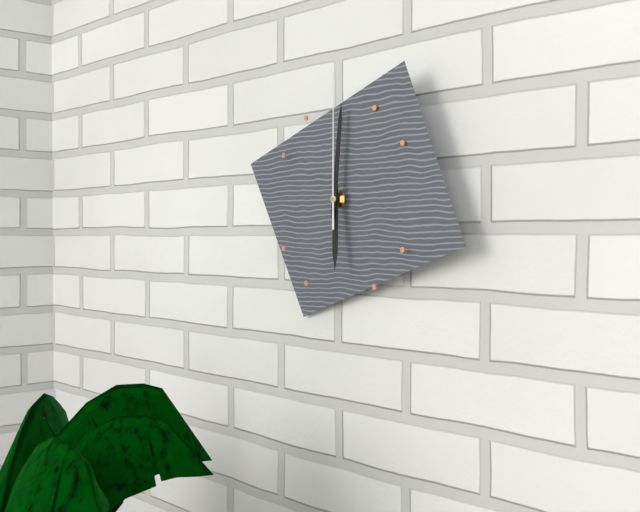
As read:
6:01:00
